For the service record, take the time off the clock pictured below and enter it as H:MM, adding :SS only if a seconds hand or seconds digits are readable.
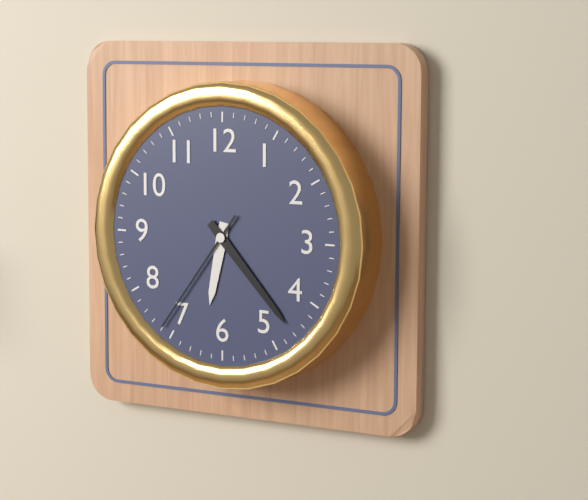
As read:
6:23:36
